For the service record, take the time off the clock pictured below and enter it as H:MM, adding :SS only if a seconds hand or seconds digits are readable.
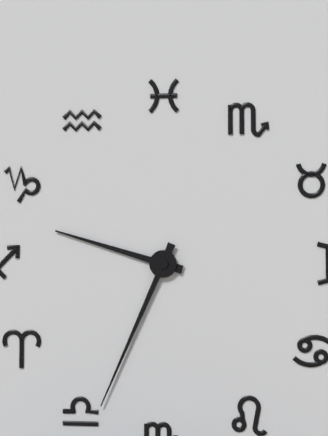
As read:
9:34
